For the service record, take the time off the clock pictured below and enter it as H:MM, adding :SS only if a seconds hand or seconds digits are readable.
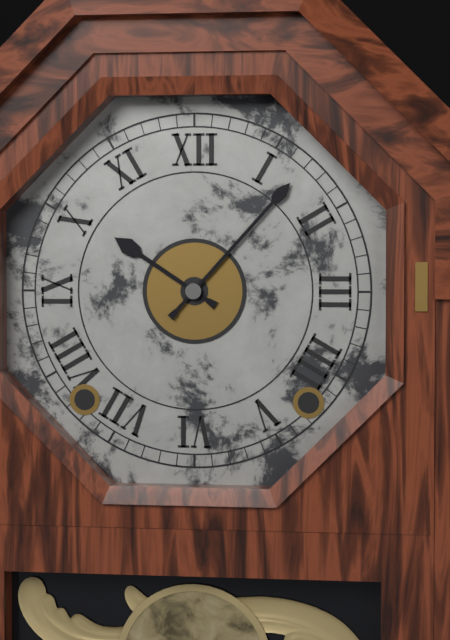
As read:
10:07
